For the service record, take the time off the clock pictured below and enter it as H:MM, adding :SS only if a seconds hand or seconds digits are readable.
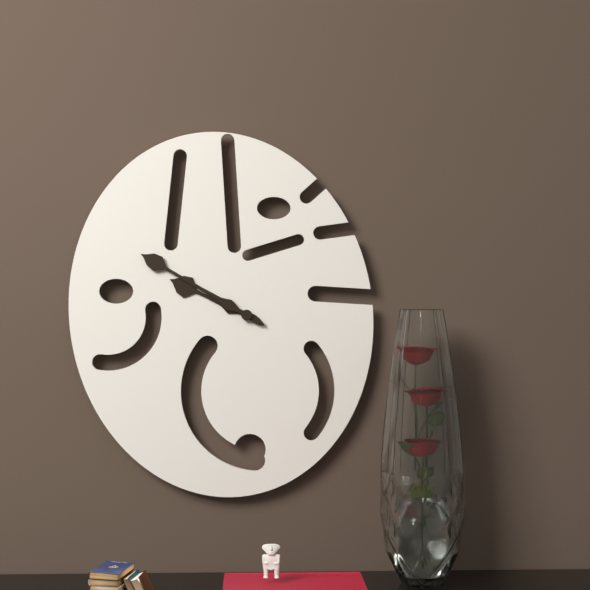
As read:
9:50
